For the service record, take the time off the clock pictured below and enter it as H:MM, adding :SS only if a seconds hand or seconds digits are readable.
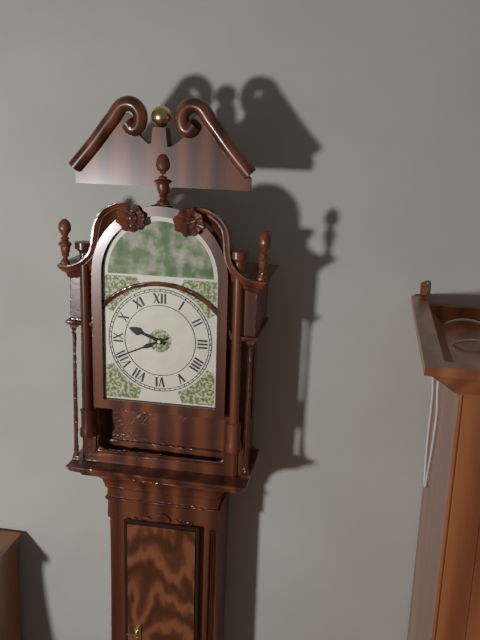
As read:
9:41
